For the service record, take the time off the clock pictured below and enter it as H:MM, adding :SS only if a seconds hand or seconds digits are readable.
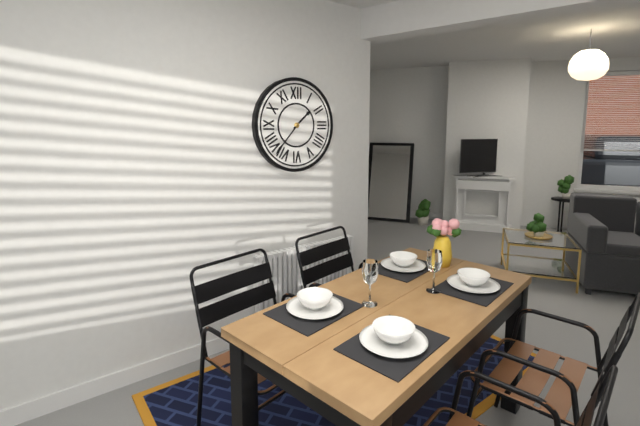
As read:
1:37
